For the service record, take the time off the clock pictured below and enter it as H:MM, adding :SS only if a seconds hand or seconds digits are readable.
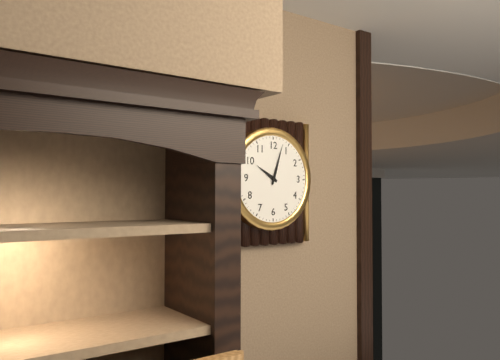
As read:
10:03
